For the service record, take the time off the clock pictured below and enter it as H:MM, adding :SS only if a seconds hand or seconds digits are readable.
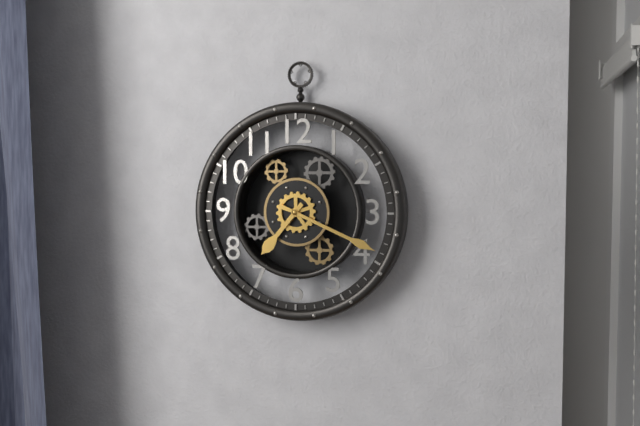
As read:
7:19
